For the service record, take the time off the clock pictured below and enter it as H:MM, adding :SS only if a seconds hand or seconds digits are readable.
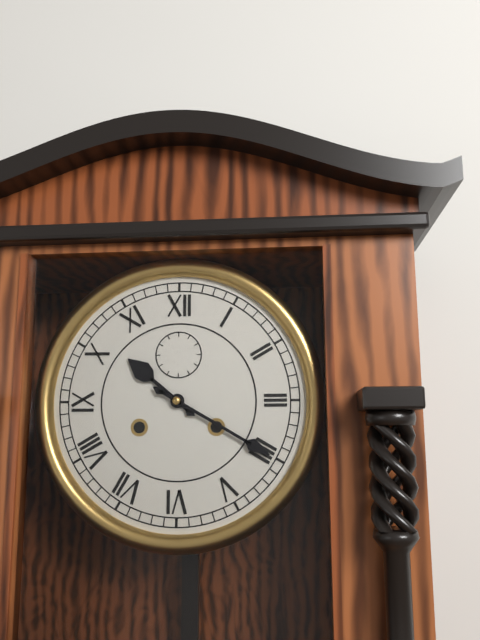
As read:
10:20
